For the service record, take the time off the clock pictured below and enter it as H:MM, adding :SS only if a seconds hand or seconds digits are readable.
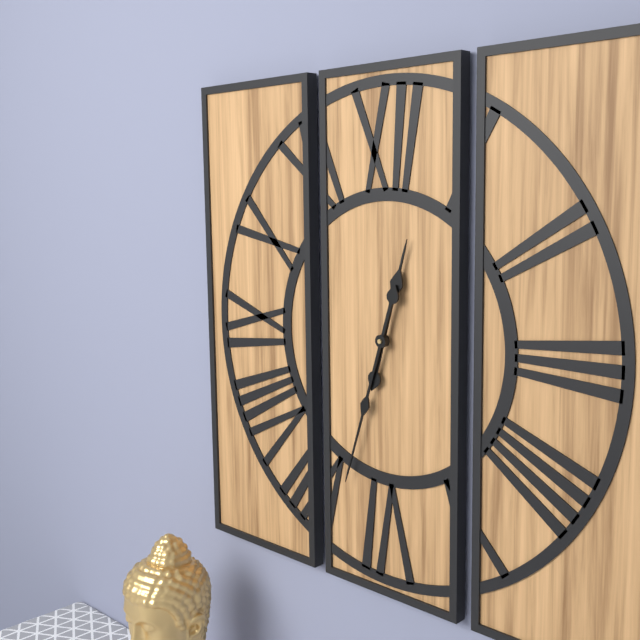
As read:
12:33
